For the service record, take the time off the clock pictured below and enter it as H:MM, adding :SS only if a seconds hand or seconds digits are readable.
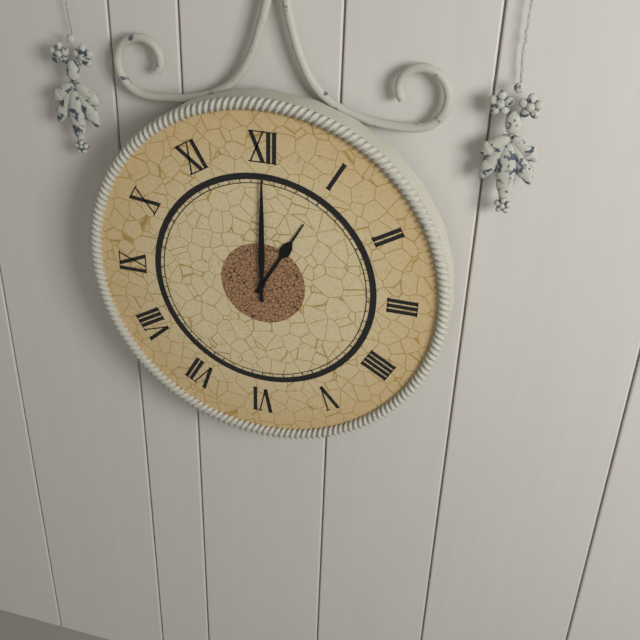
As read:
1:00
